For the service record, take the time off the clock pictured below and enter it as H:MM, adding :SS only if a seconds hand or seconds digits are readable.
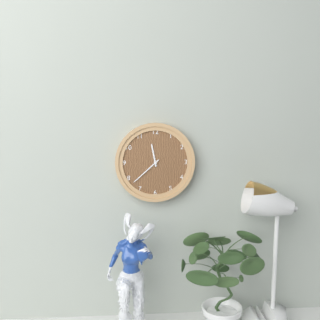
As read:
11:38
